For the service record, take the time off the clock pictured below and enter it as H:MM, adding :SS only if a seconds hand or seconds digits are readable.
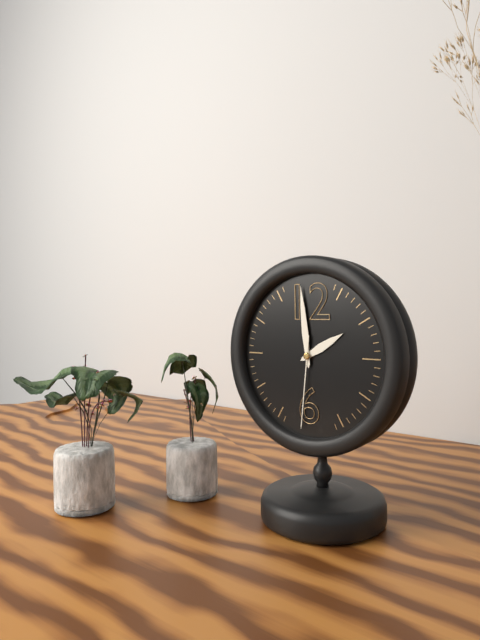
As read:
1:59:31
